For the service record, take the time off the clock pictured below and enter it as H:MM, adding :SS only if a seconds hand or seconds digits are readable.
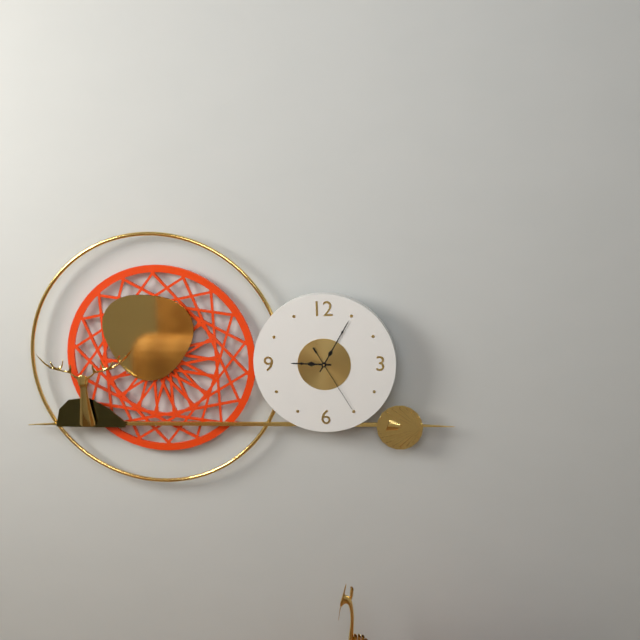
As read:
9:05:25
